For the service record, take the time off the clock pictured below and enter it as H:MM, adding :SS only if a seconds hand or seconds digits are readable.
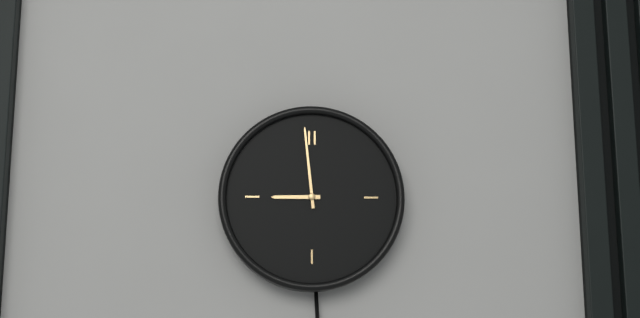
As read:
8:59
